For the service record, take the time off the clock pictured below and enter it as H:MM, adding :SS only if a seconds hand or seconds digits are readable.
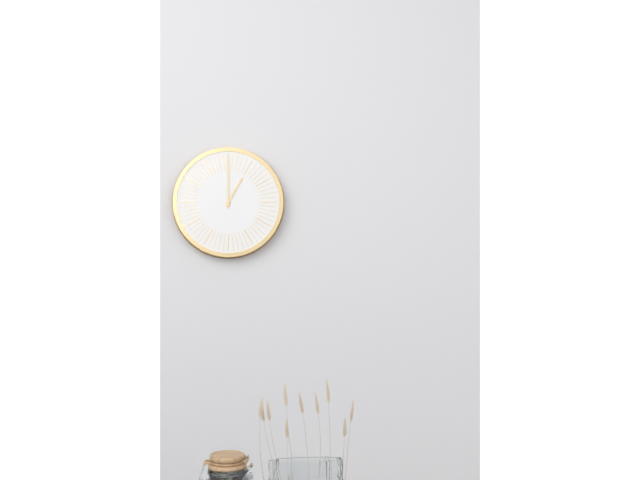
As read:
1:00
